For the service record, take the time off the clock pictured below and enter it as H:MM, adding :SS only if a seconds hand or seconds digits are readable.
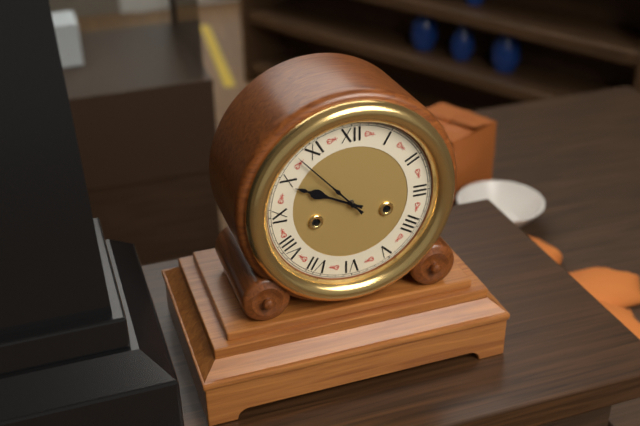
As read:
9:53
